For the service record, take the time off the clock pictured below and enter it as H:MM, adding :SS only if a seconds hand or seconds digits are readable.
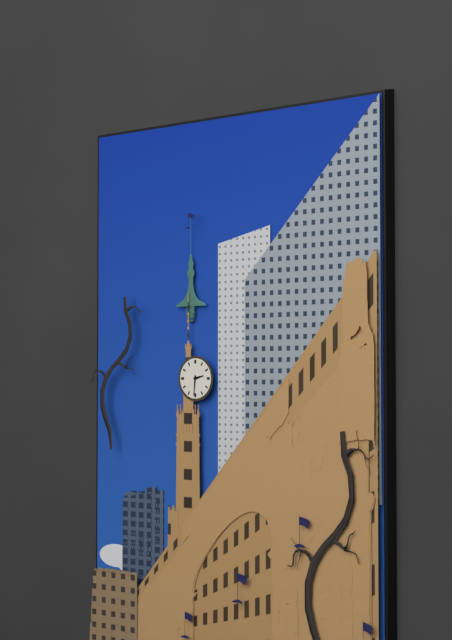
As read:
2:31
